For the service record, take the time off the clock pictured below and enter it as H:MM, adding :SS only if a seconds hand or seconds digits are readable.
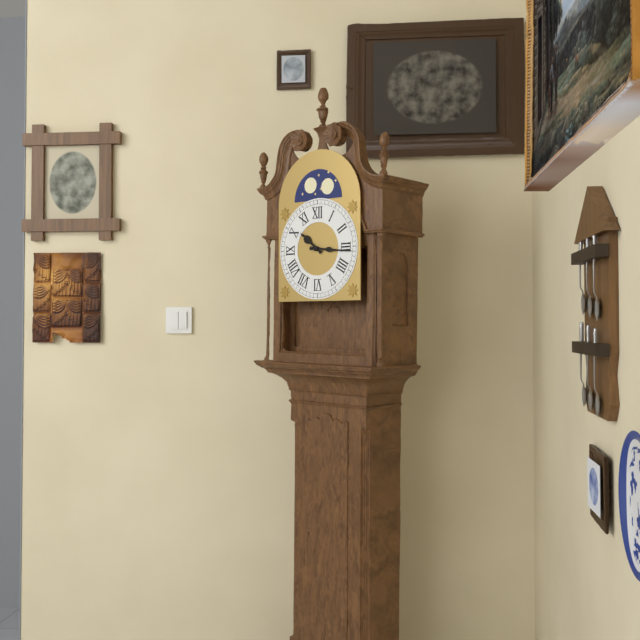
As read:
10:16
